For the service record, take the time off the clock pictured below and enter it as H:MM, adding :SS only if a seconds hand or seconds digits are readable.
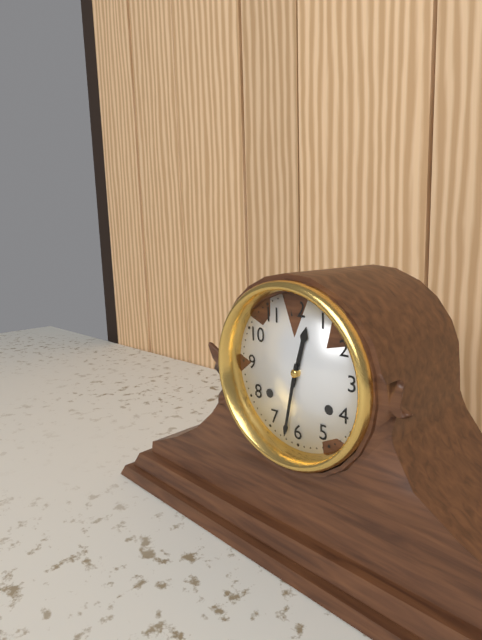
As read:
12:32
